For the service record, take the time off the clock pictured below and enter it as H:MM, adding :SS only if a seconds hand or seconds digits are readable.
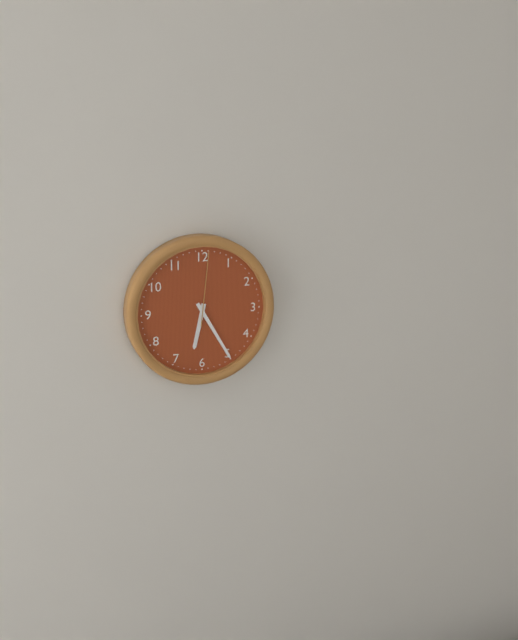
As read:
6:25:01
